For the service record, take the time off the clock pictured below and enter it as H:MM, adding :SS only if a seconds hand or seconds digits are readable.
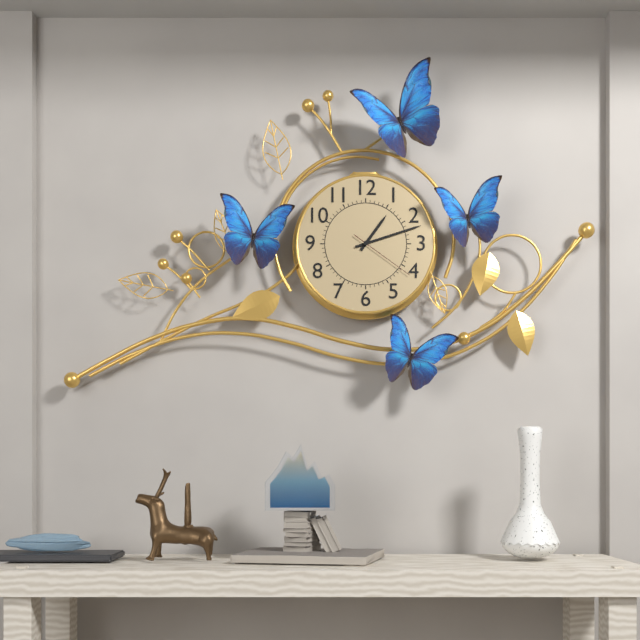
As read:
1:12:21
